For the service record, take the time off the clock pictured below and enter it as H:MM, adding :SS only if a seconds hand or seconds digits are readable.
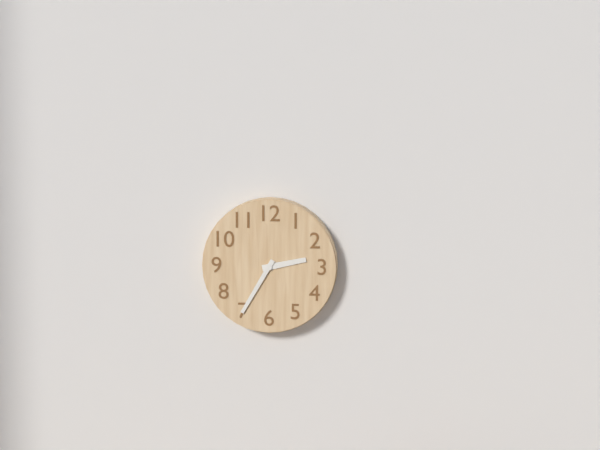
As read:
2:35
